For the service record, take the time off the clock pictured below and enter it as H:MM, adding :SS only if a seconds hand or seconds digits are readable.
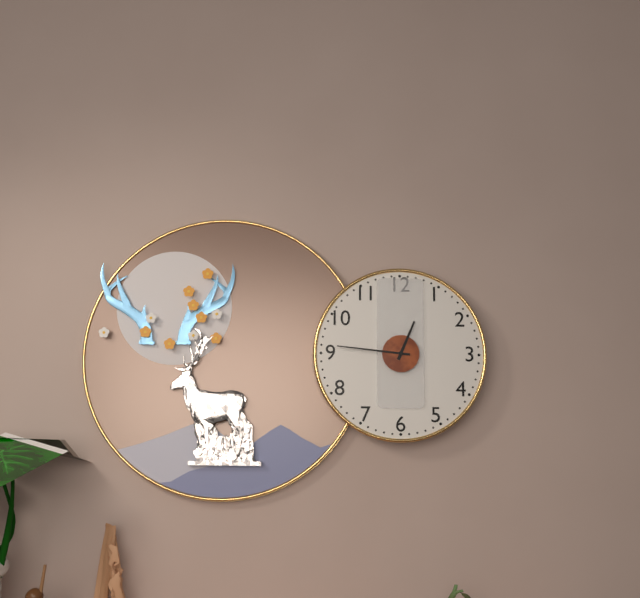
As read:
12:46
